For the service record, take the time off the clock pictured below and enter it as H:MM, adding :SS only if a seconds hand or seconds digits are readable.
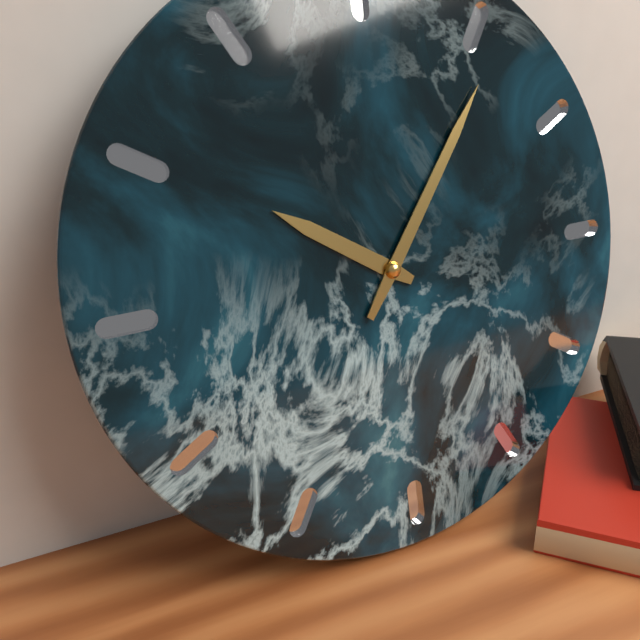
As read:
10:06
